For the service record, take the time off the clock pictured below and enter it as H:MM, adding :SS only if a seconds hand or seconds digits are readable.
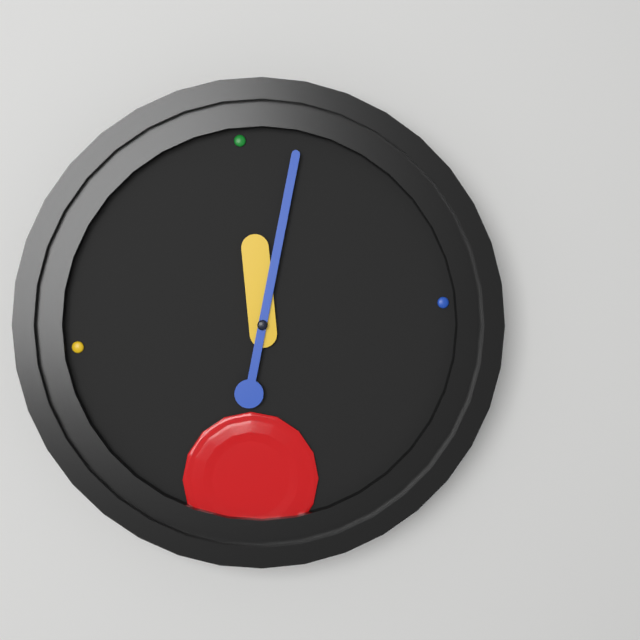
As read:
12:03
